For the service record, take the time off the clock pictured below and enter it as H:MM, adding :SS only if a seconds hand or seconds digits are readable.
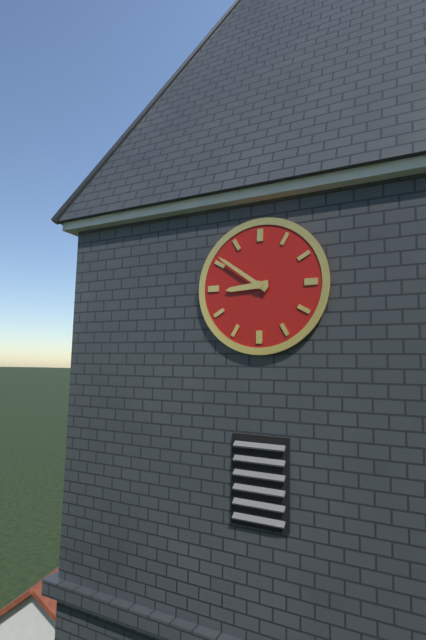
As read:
8:51
